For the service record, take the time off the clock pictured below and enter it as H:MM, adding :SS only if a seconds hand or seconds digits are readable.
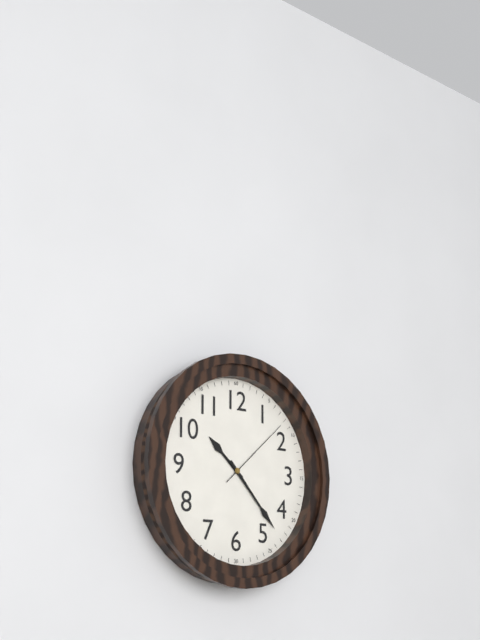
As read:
10:23:08
